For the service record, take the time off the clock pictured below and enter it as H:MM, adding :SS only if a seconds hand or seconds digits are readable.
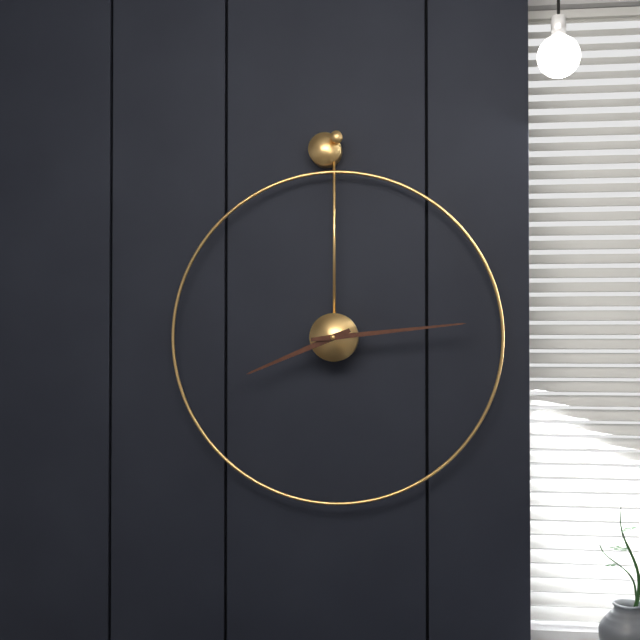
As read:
8:14
